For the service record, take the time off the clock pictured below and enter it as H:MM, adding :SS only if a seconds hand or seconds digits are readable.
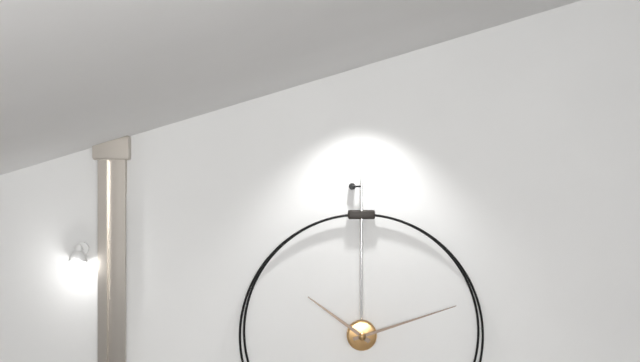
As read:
10:12
